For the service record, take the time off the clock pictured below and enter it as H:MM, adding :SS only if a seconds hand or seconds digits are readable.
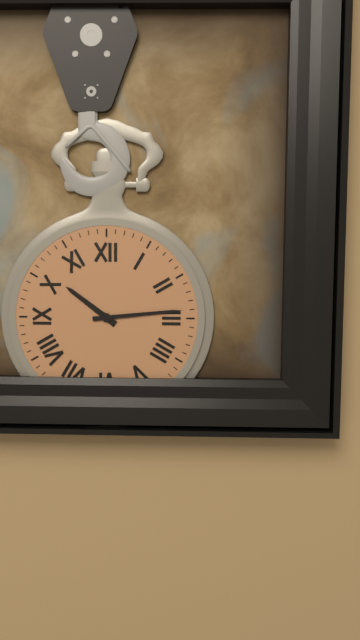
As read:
10:14
